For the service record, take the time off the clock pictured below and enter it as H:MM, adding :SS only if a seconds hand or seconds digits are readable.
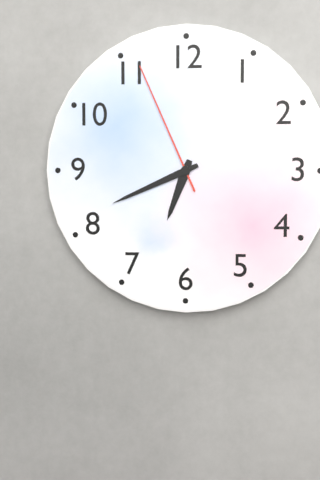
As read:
6:41:56
